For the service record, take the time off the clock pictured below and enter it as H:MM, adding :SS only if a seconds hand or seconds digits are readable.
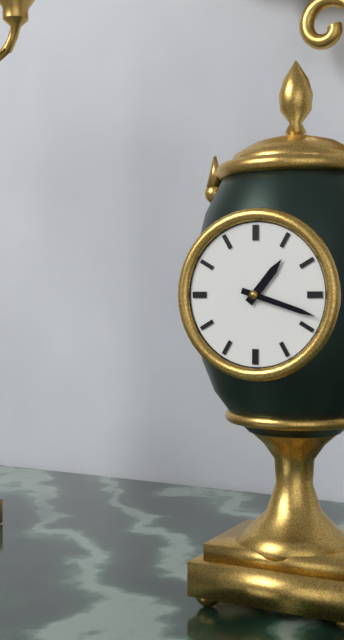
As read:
1:18
